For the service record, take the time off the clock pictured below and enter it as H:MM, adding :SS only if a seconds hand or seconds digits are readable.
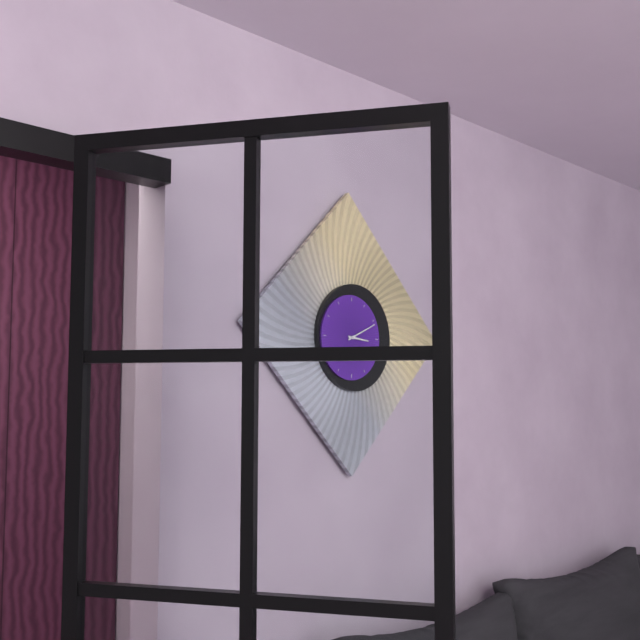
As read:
3:11
